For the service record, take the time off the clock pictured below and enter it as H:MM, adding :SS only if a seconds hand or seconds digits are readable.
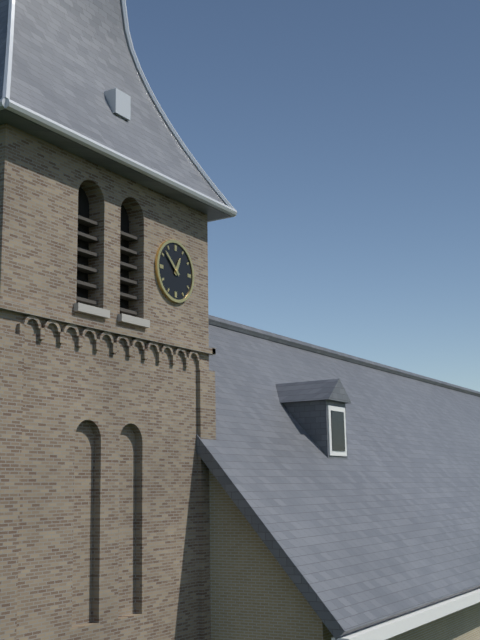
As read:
12:52
